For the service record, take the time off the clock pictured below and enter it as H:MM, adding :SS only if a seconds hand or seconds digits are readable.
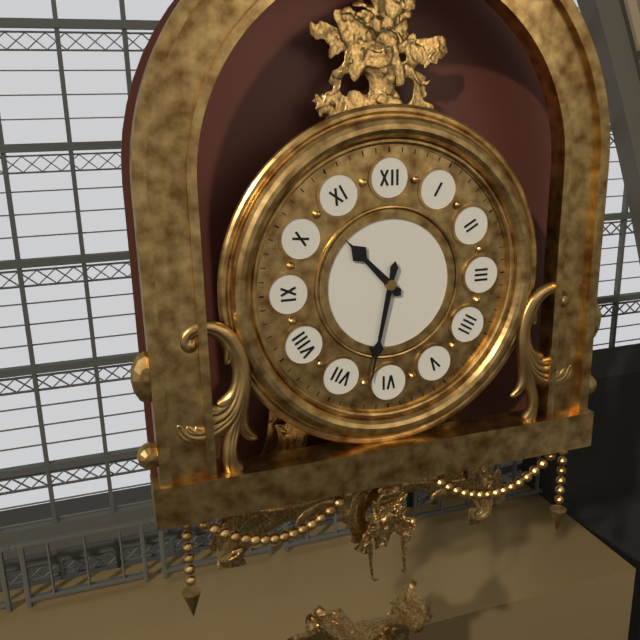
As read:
10:32
